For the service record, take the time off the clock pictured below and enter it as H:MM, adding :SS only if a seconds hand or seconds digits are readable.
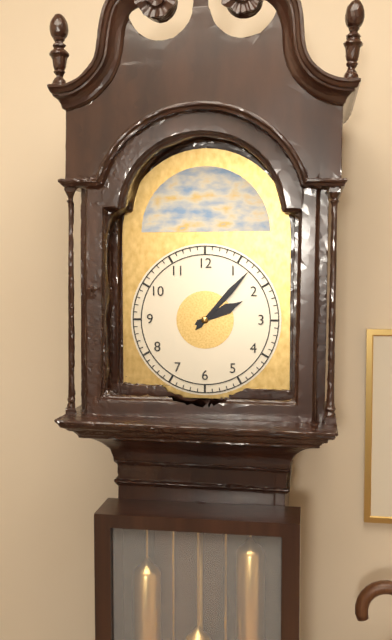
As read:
2:07
